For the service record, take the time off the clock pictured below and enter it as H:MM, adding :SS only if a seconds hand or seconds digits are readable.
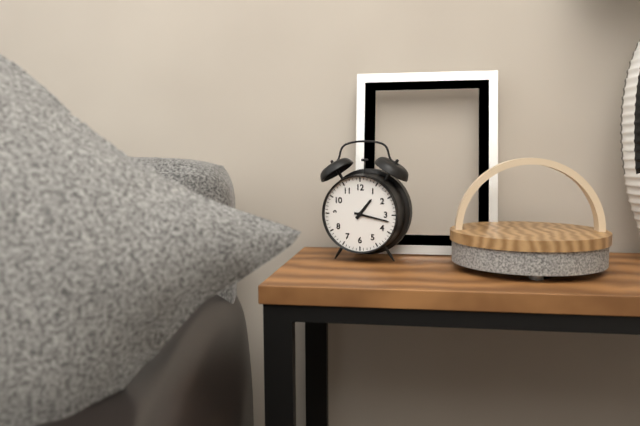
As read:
1:17
